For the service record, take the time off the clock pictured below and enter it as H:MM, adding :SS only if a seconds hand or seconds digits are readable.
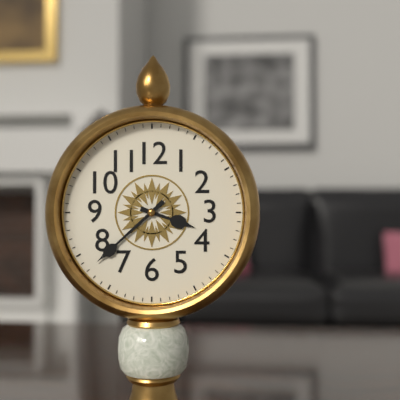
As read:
3:38
